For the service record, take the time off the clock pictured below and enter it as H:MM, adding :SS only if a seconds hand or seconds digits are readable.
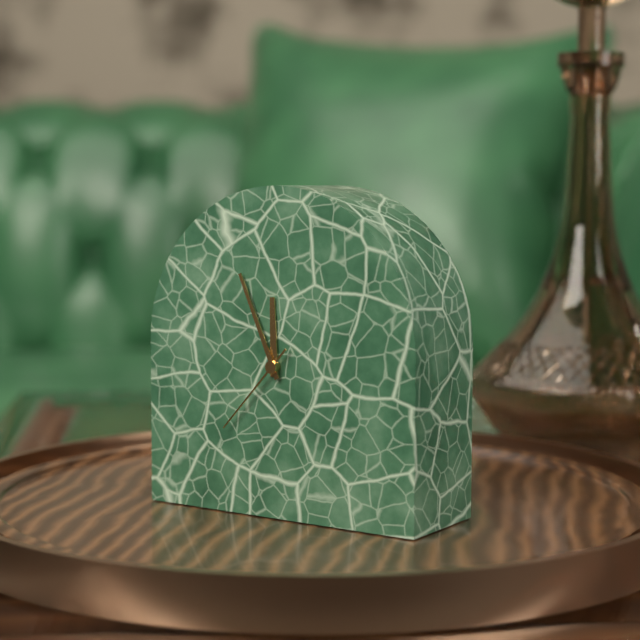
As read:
11:56:37
